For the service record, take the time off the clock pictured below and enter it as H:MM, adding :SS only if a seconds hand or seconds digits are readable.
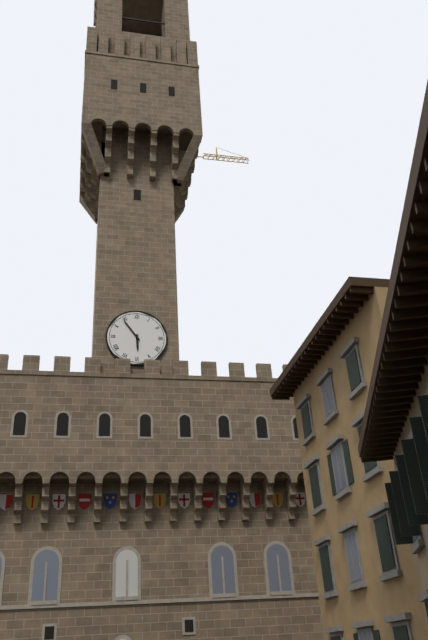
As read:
5:54
